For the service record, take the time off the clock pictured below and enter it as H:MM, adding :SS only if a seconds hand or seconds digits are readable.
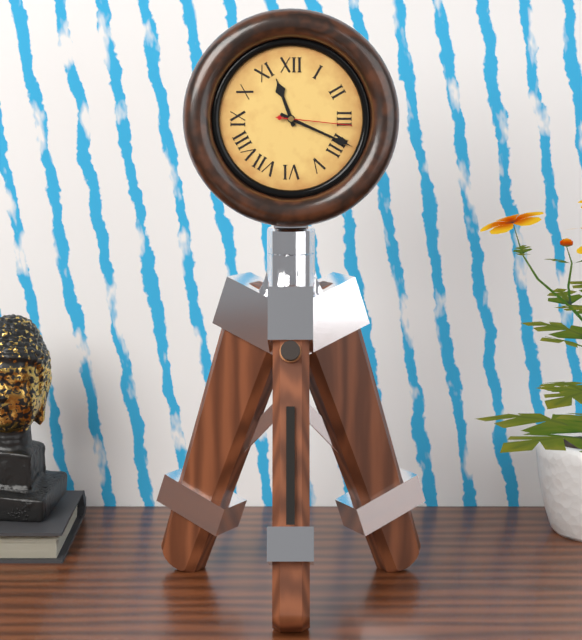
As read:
11:19:16
